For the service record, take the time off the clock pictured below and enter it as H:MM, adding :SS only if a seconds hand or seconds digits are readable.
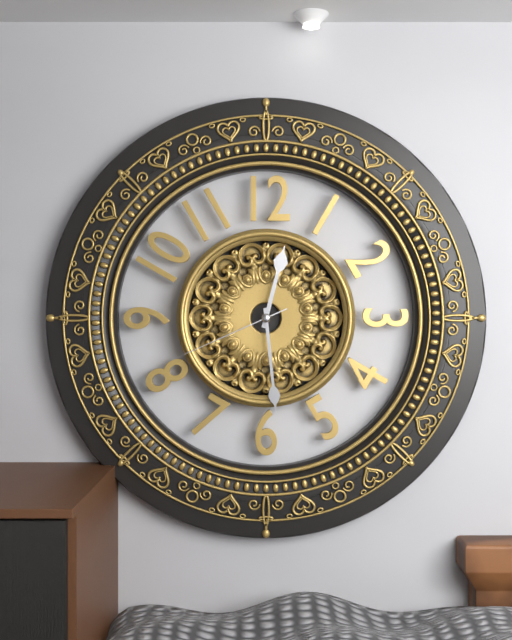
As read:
12:29:41
